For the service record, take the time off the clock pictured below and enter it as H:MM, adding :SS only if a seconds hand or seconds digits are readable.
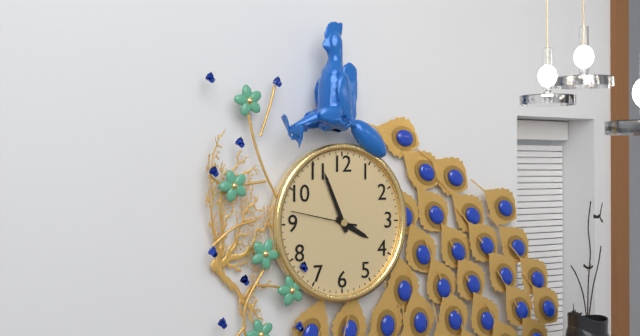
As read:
3:56:47
